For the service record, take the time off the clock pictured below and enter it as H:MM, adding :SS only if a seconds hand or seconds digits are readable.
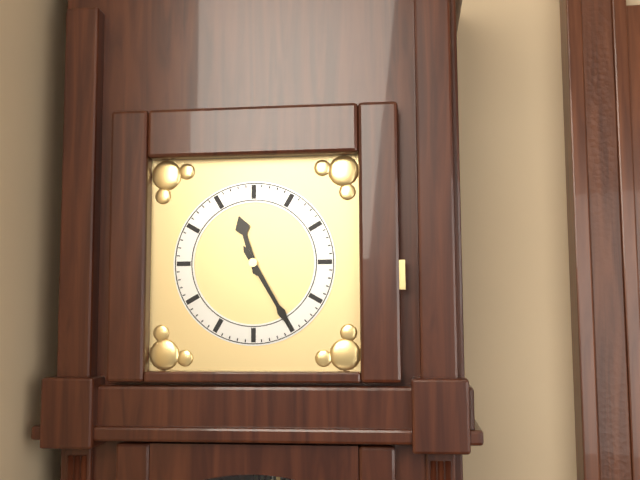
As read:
11:25
